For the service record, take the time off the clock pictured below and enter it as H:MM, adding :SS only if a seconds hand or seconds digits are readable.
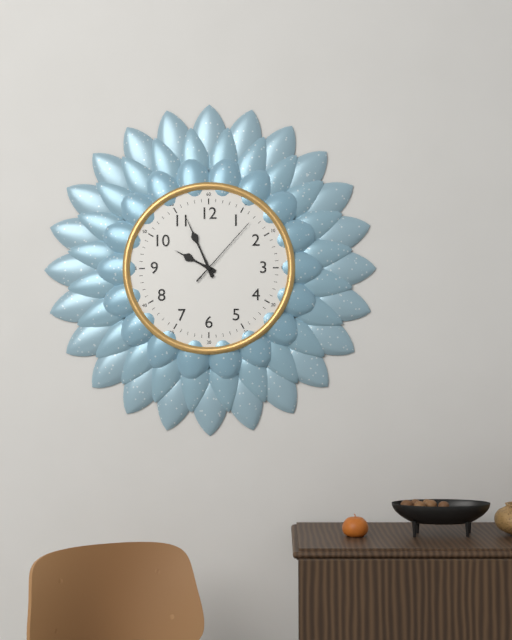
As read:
9:56:07
